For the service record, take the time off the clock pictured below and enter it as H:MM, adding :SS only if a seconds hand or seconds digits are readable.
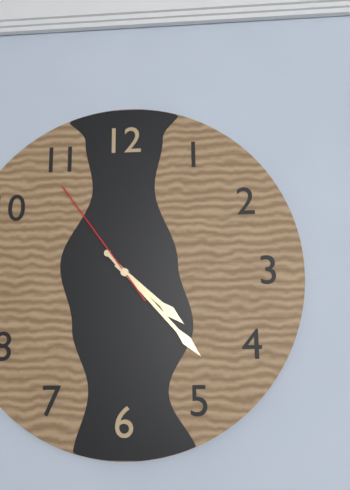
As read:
4:23:54
